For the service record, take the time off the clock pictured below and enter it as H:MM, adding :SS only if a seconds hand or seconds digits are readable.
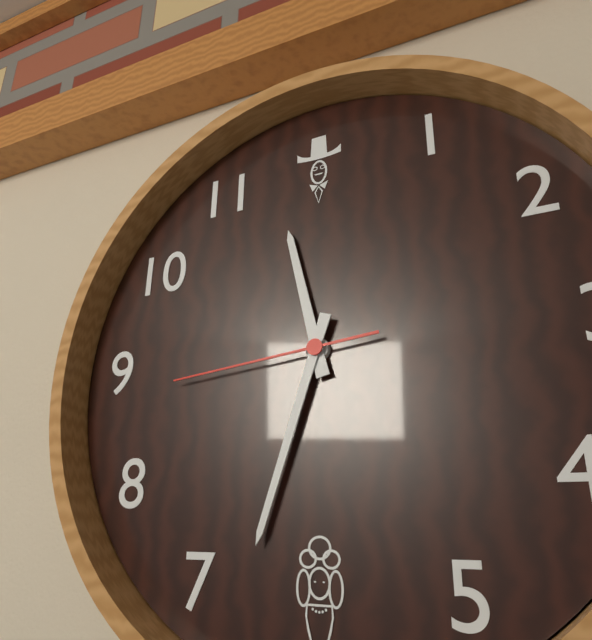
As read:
11:33:44
